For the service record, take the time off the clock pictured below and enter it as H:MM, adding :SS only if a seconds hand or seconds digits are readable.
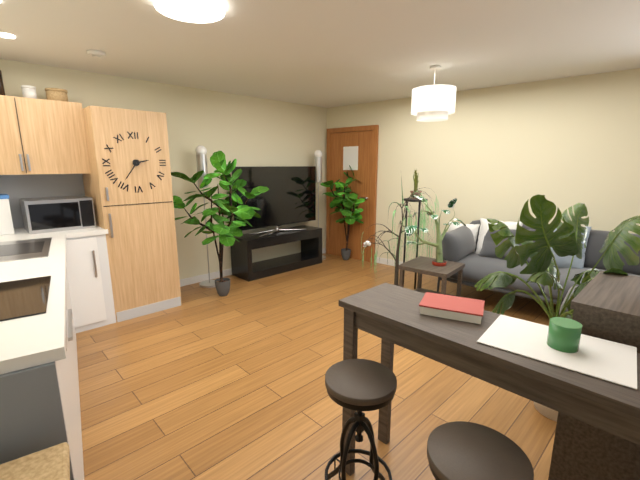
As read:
2:36
